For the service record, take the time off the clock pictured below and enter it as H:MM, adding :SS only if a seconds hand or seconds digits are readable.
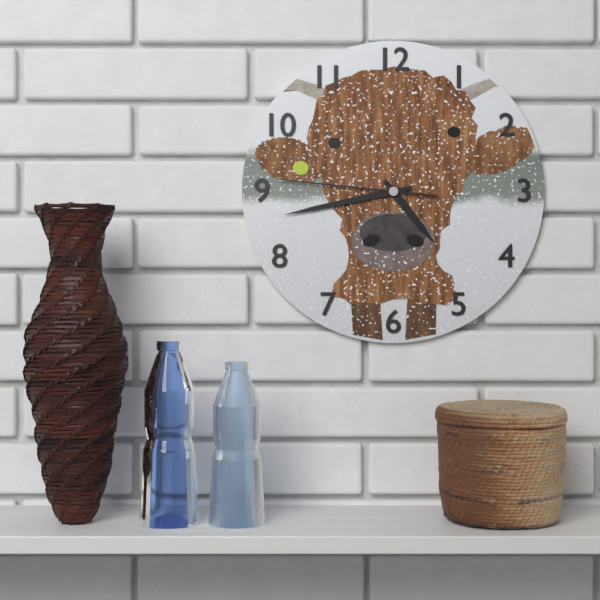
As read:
4:43:46
